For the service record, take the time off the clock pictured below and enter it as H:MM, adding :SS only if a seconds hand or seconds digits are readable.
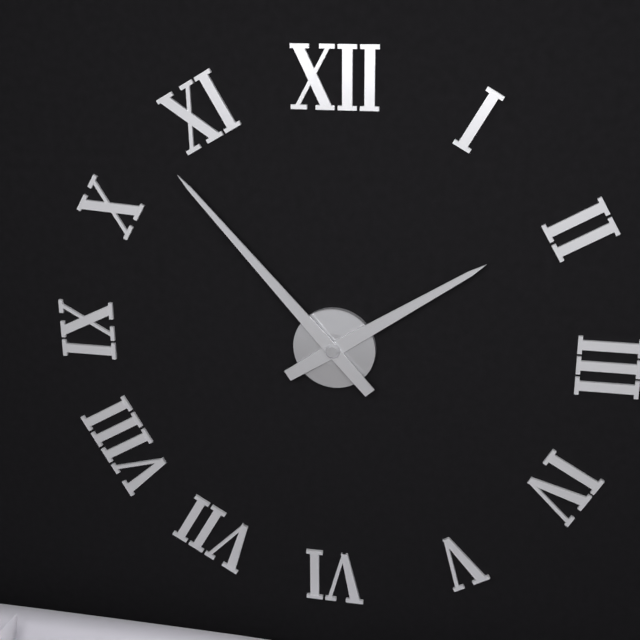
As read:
1:53
